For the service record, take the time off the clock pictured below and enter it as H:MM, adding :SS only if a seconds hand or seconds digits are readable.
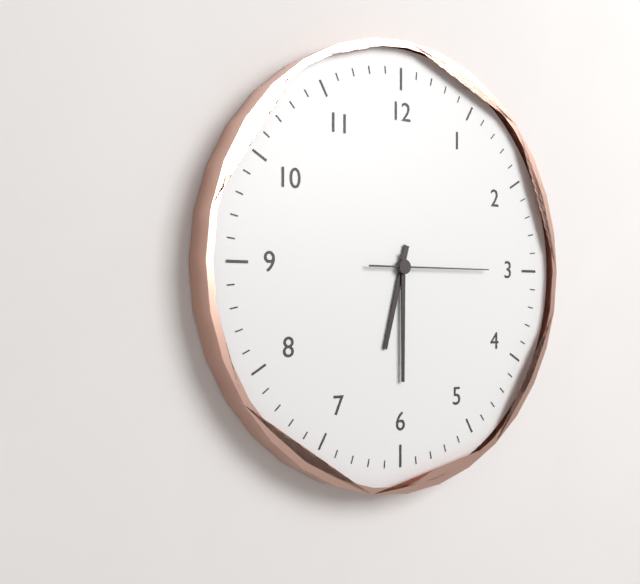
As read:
6:30:15
